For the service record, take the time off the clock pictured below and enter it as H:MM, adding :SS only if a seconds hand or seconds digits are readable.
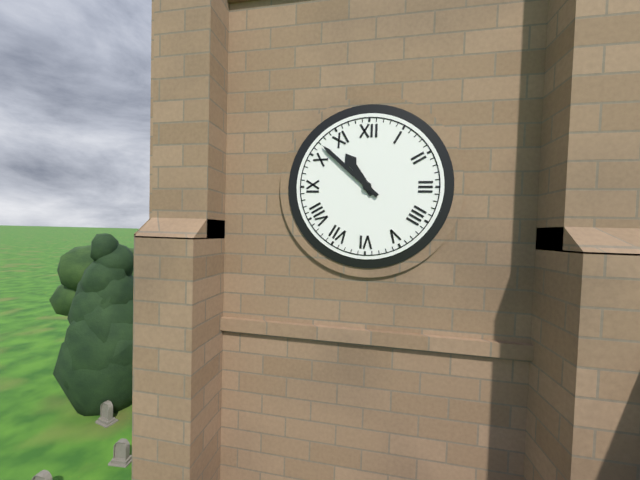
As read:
10:52
